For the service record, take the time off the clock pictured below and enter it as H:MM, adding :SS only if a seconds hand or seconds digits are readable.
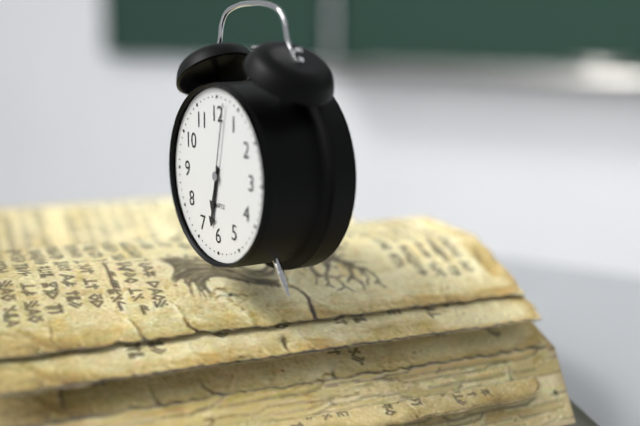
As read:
6:32:02
